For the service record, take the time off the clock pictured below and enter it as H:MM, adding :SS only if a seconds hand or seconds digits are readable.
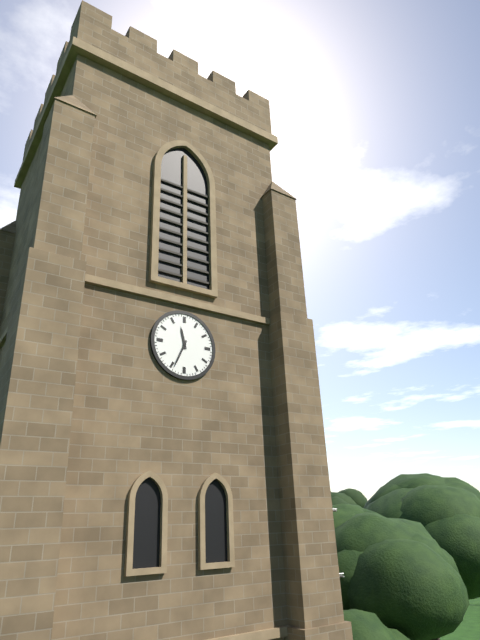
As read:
11:34
